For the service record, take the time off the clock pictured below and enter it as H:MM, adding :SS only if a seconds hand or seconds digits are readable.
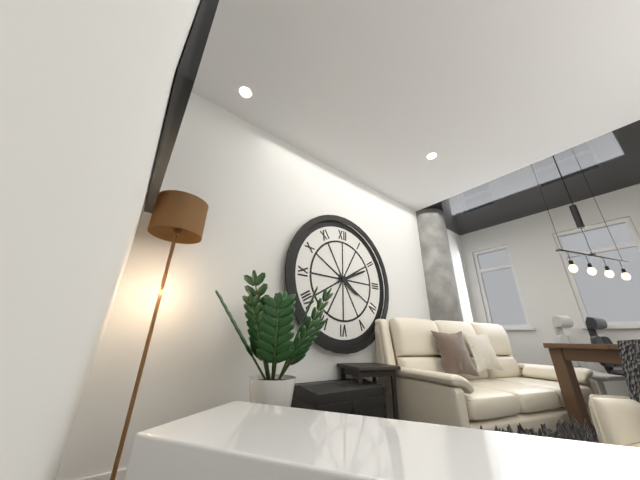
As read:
4:11
